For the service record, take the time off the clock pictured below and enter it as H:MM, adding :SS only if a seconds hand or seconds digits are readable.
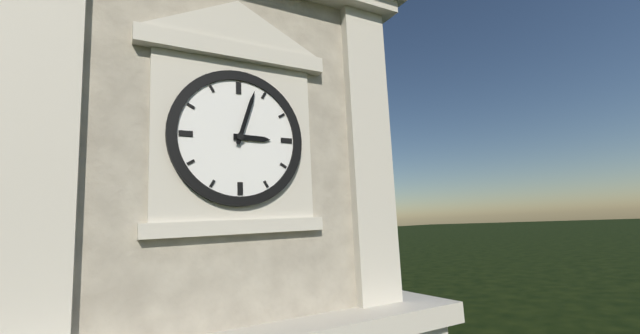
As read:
3:03
